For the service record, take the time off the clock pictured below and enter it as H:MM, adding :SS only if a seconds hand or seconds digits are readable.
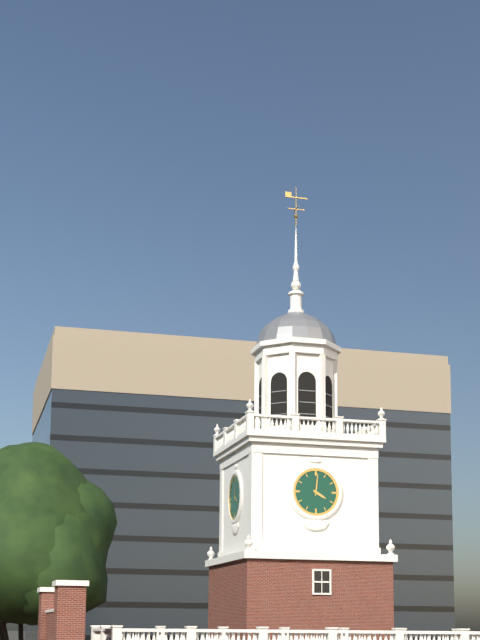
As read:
4:01
